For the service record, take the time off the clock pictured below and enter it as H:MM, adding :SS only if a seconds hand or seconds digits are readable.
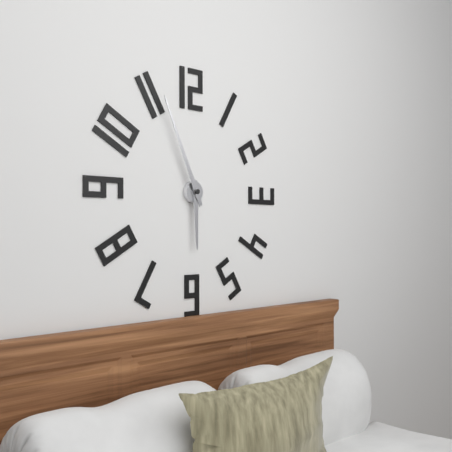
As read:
5:56
